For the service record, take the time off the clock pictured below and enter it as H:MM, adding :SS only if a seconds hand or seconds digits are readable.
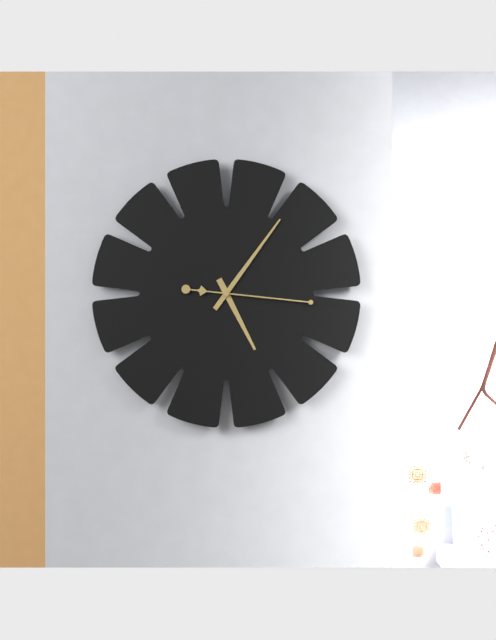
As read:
5:06:16
